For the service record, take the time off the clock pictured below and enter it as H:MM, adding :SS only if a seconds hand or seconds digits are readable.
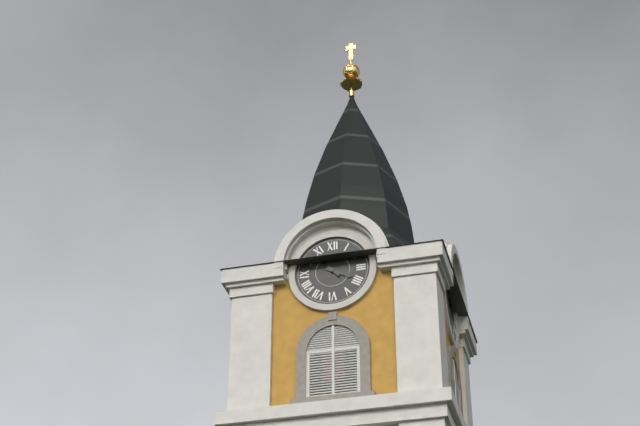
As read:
3:53
